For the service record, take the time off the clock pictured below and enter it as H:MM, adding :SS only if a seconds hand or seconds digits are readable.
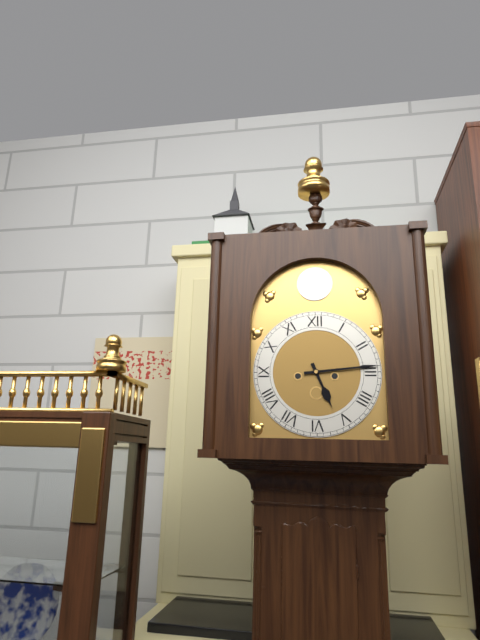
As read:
5:14
